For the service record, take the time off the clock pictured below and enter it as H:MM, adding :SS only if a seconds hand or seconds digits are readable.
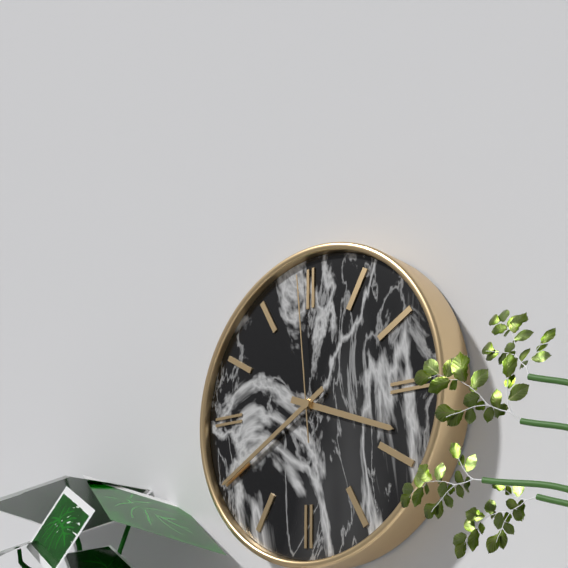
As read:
3:40:59
